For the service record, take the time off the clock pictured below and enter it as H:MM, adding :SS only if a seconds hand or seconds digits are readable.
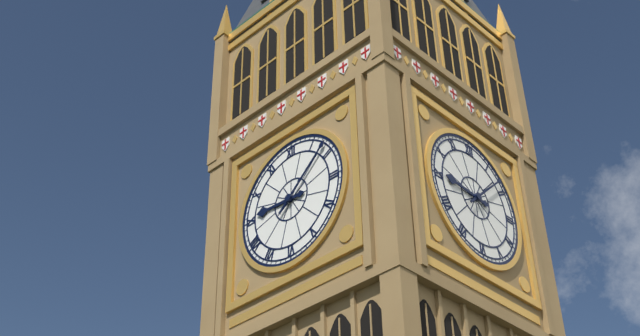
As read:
9:08
